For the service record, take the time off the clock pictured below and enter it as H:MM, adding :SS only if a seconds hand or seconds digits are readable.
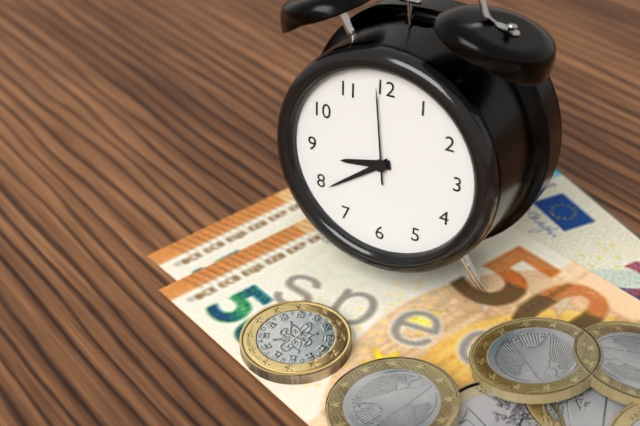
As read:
8:39:59
